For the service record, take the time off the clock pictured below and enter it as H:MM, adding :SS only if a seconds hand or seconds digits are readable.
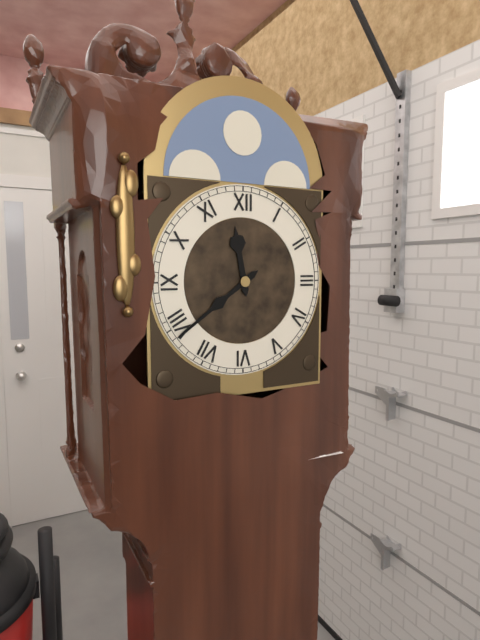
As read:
11:39
